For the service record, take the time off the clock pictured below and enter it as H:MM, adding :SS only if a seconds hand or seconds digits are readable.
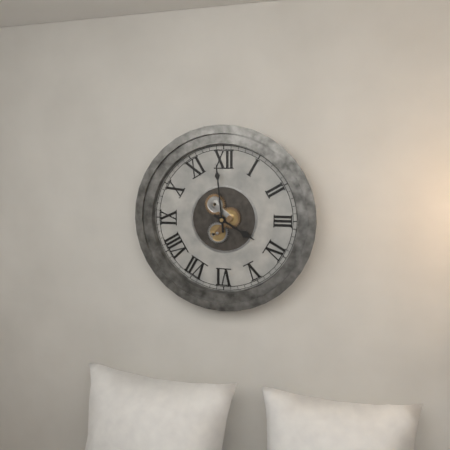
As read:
3:59
